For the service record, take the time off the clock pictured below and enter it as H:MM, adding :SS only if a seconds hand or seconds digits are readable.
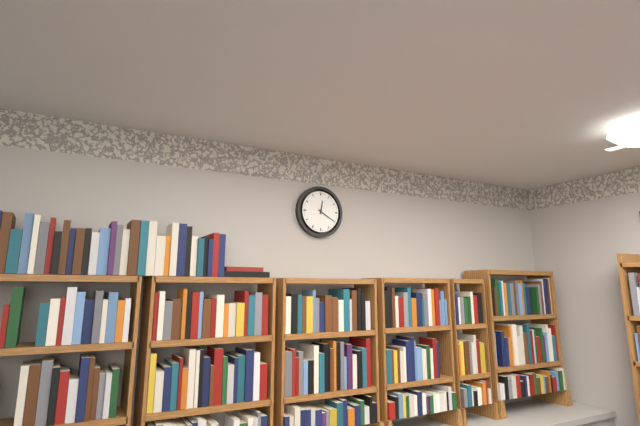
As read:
12:20
